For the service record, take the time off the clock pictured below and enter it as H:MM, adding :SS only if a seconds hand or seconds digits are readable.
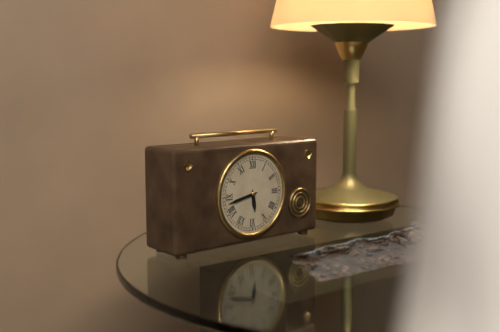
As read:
5:43
